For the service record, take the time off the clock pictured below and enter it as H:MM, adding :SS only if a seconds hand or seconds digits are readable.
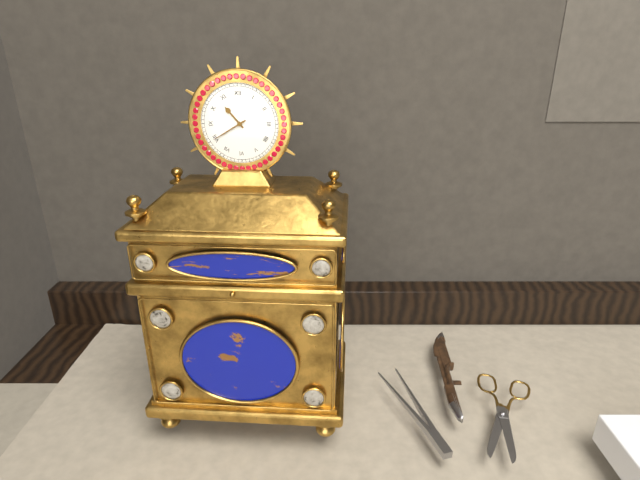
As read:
10:40
